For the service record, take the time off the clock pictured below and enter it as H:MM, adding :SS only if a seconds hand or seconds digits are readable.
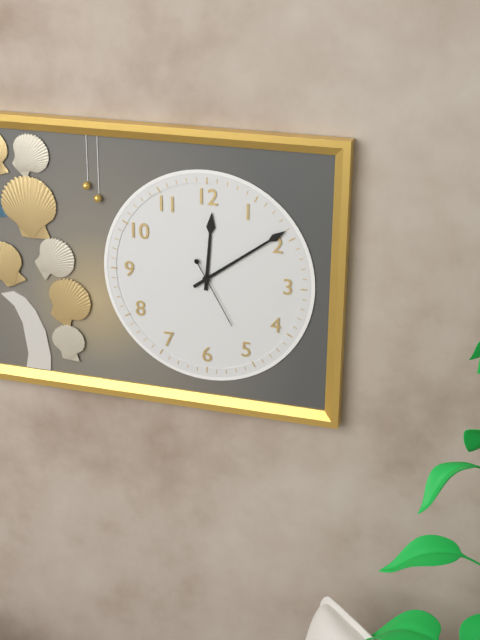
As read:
12:09:25
